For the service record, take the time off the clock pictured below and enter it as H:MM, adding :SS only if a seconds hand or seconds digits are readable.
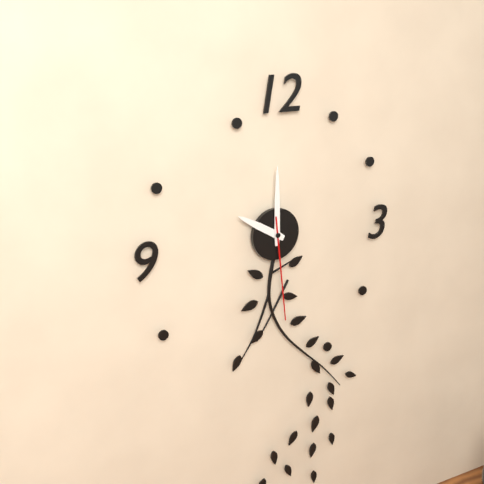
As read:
10:00:29
